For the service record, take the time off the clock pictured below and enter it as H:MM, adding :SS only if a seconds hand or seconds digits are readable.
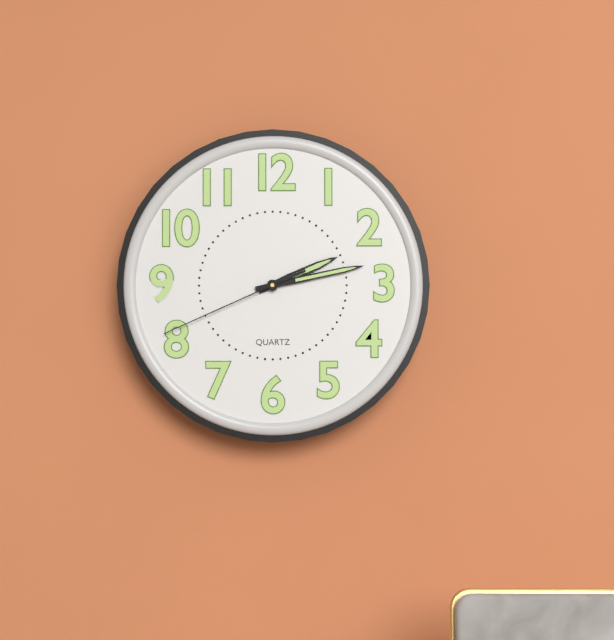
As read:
2:13:41
